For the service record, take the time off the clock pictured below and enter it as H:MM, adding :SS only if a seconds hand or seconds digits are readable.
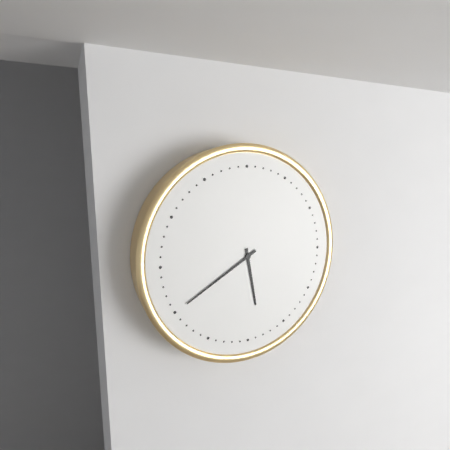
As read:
5:40
